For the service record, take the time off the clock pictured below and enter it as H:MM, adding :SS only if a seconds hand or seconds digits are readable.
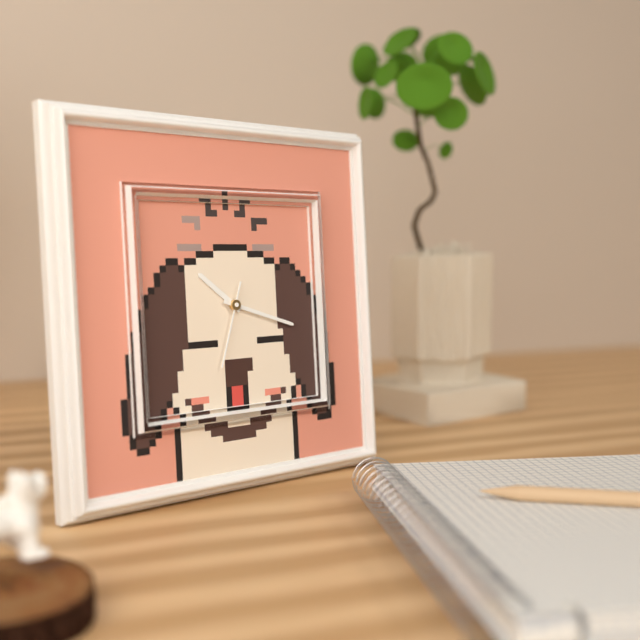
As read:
10:18:33
